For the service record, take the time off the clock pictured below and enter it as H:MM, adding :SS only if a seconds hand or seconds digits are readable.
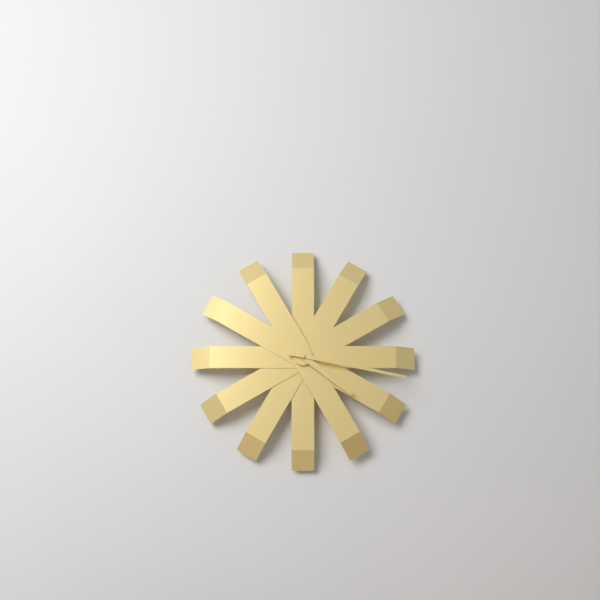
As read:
4:17
